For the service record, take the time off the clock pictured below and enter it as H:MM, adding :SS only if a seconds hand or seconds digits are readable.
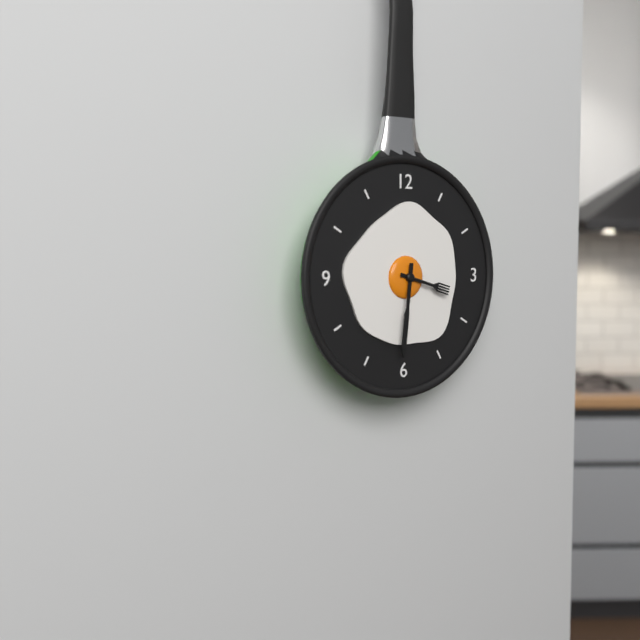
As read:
3:31
